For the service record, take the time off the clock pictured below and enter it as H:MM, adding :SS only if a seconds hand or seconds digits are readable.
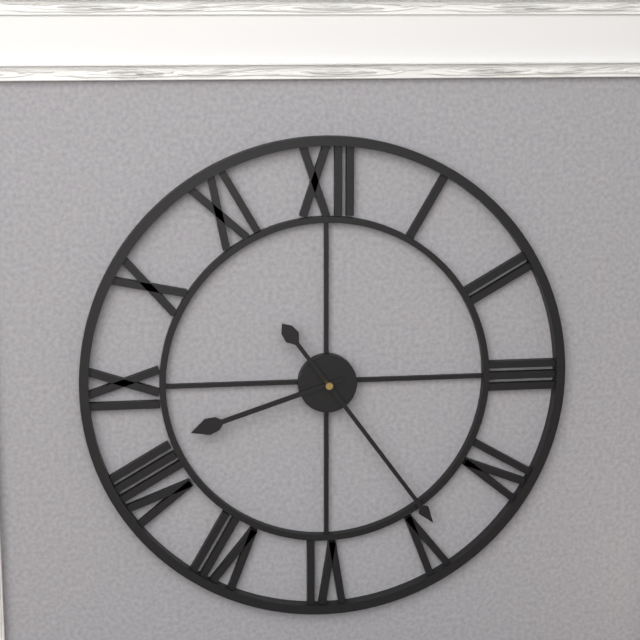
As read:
8:24
